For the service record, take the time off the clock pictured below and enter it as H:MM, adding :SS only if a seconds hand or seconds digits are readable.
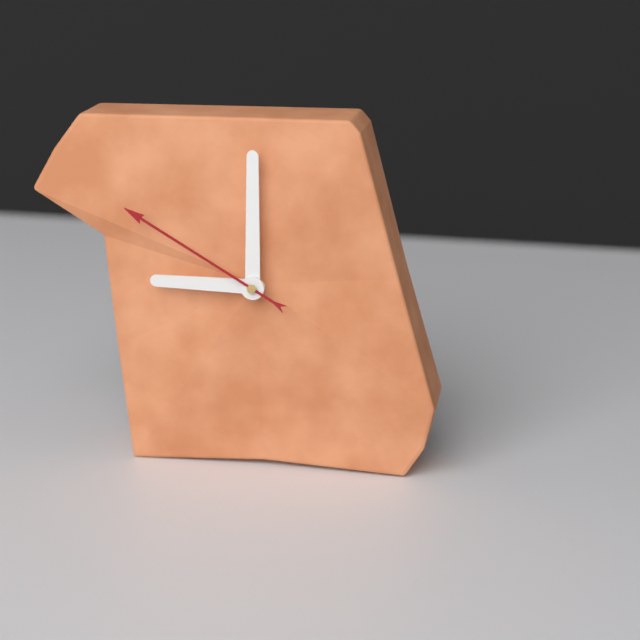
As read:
9:00:50
